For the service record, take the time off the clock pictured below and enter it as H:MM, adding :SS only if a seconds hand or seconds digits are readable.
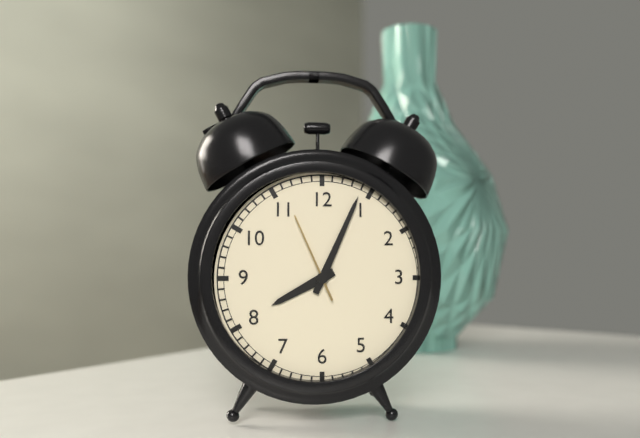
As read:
8:04:56
